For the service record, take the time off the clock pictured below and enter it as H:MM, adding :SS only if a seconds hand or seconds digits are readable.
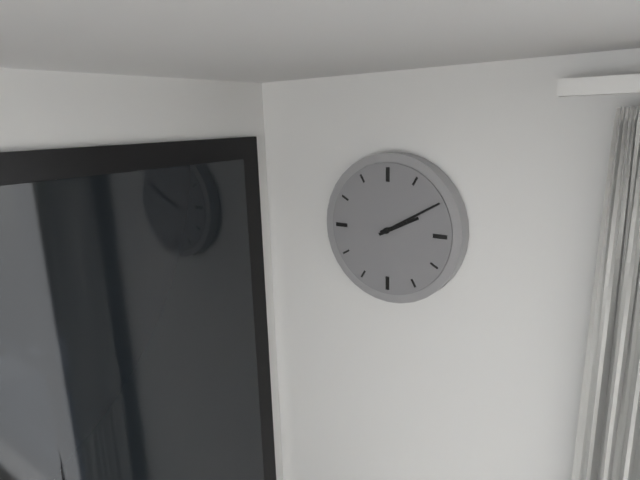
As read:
2:10
